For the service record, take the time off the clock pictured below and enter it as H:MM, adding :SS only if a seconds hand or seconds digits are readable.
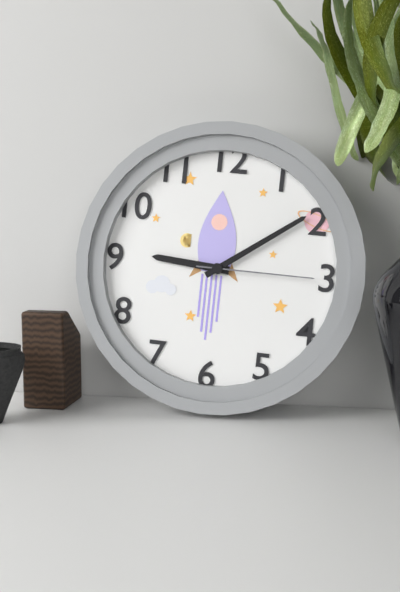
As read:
9:09:15
